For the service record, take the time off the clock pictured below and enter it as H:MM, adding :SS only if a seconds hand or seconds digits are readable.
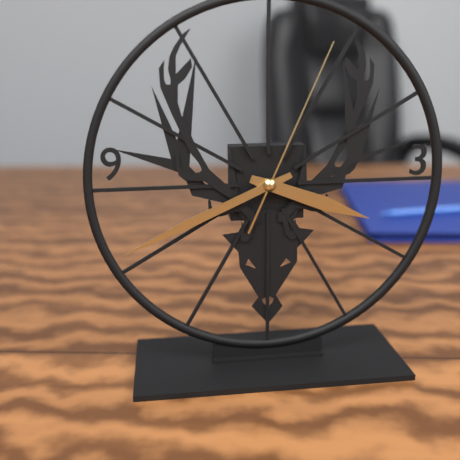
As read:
3:41:04
